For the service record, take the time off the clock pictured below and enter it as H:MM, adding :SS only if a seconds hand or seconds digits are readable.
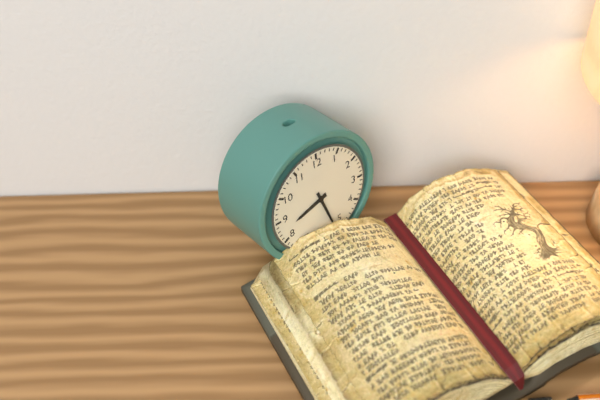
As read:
8:27
